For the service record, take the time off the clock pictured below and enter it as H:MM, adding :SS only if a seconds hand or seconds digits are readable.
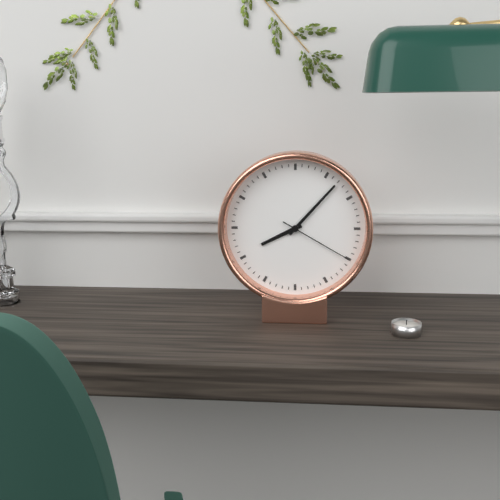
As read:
8:07:20
